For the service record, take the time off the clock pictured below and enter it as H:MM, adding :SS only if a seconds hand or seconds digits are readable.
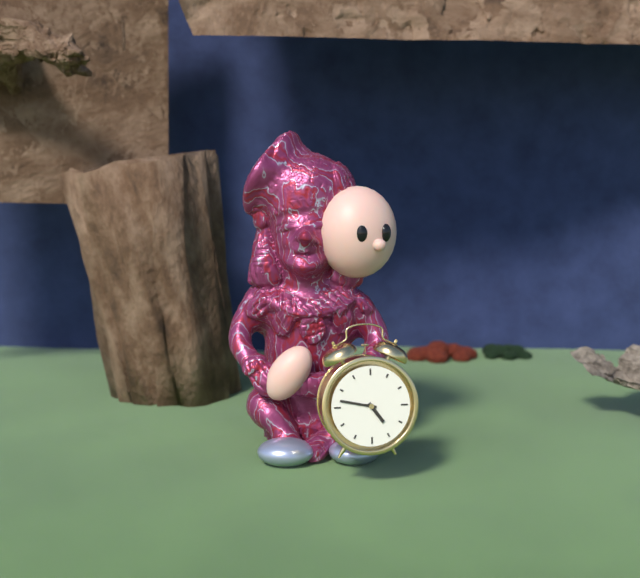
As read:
4:47
